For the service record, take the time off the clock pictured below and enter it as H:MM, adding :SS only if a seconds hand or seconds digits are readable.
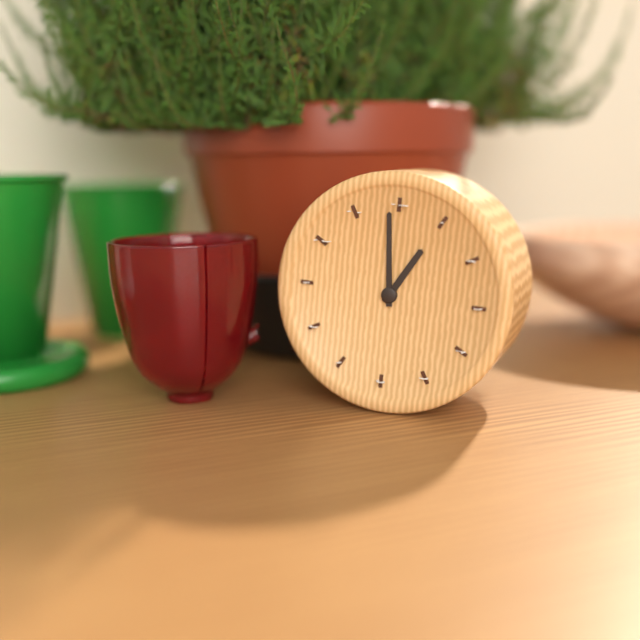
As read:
12:59
